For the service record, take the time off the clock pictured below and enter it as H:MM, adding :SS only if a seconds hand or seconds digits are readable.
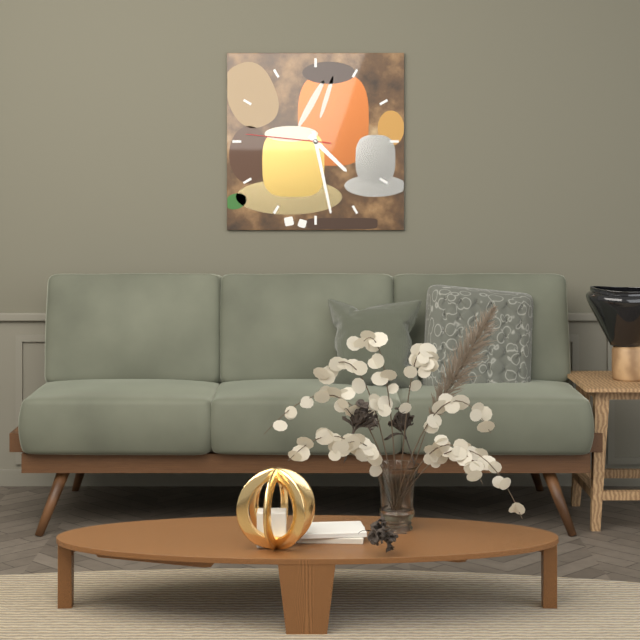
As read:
4:28:46
